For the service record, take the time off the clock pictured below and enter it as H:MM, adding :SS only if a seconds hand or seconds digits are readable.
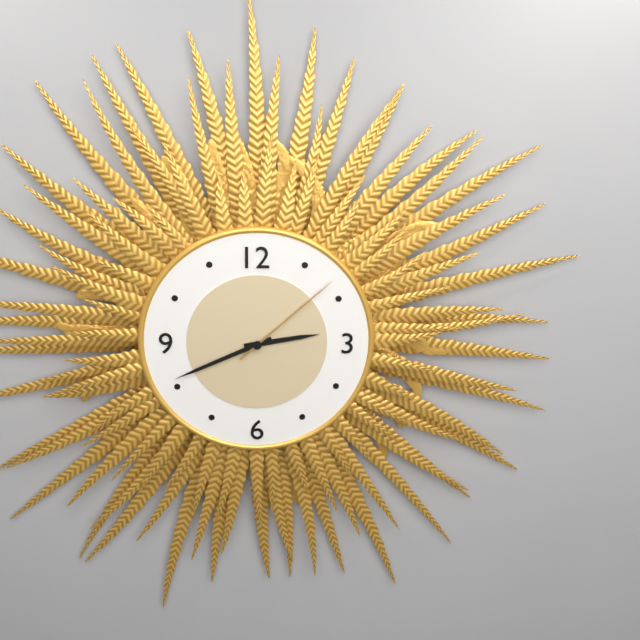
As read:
2:41:08
